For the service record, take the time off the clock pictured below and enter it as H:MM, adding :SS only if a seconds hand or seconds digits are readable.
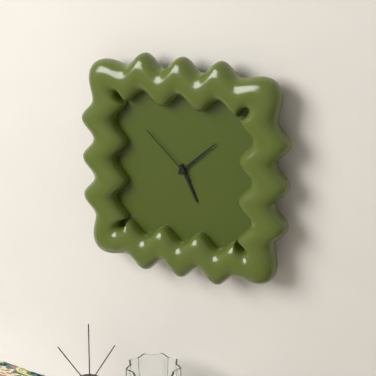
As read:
5:08:52
